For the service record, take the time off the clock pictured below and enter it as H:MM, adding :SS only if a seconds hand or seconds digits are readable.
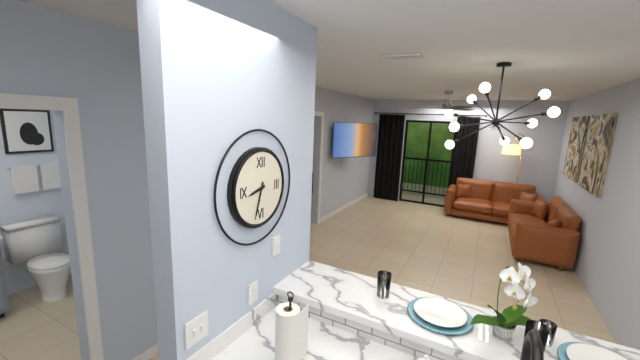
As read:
8:33
